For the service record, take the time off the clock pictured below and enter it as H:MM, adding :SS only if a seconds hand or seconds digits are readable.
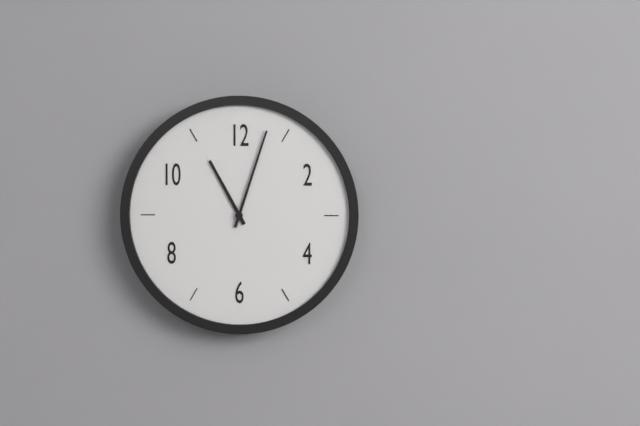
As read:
11:03
